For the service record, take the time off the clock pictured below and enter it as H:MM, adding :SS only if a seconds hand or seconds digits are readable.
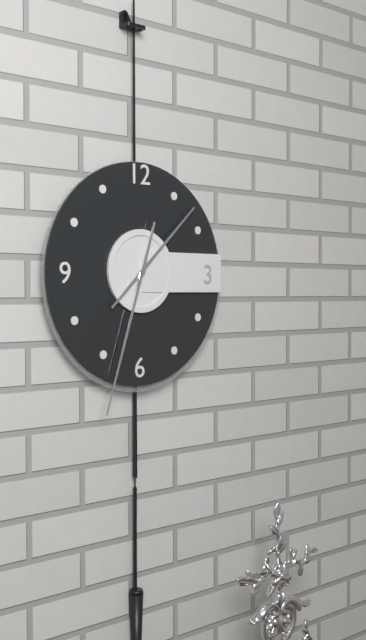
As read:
1:33
